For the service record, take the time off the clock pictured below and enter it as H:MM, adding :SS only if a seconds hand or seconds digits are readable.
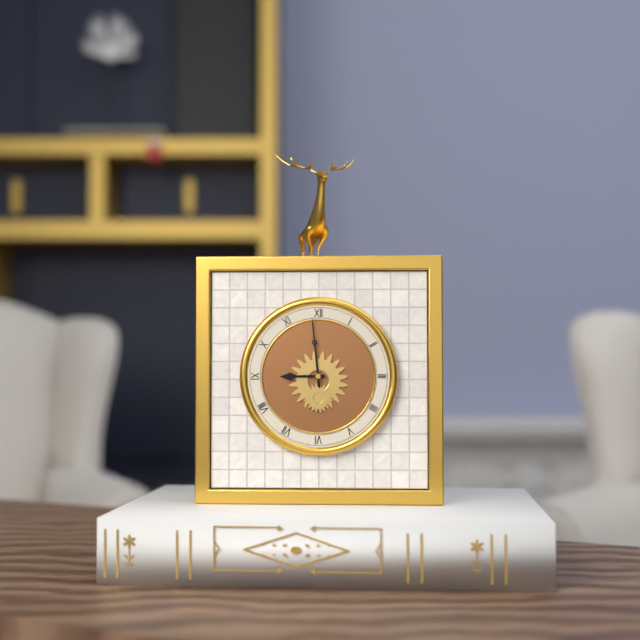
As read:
8:59
